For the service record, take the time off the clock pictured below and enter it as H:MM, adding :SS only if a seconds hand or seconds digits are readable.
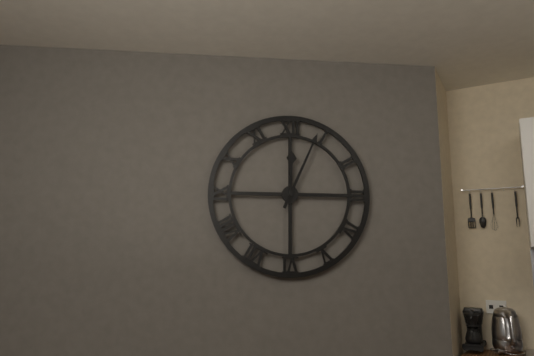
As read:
12:04
